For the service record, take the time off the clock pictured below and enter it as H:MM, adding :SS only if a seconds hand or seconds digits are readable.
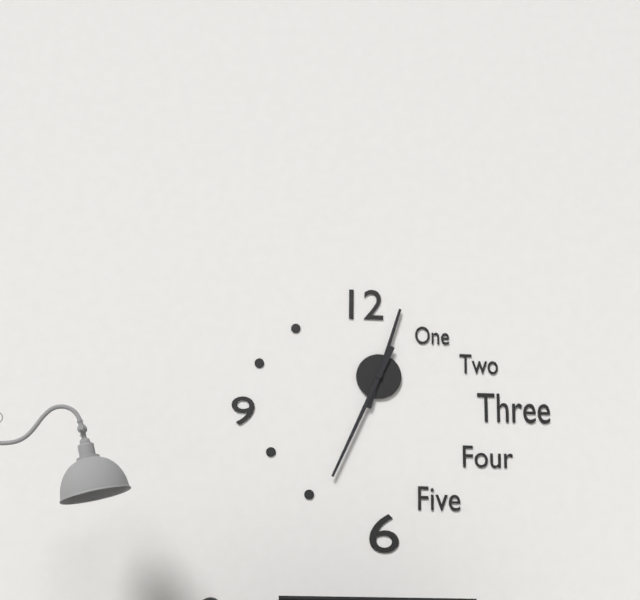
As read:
12:34
